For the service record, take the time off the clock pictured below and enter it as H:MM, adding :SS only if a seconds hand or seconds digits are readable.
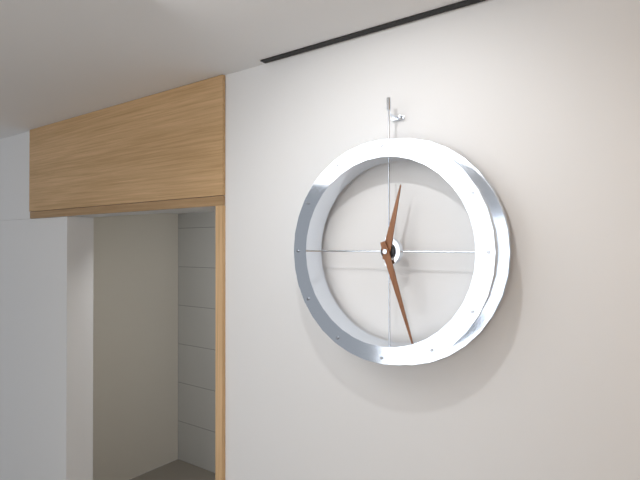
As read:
12:27
